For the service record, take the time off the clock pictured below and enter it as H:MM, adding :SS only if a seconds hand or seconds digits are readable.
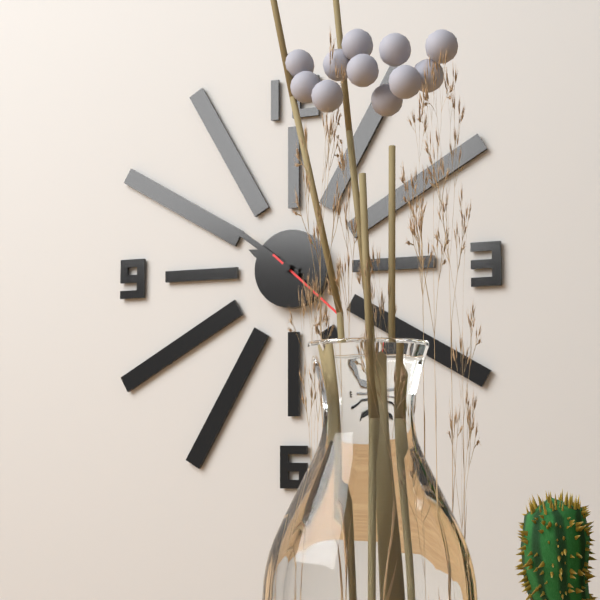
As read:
9:51:22
